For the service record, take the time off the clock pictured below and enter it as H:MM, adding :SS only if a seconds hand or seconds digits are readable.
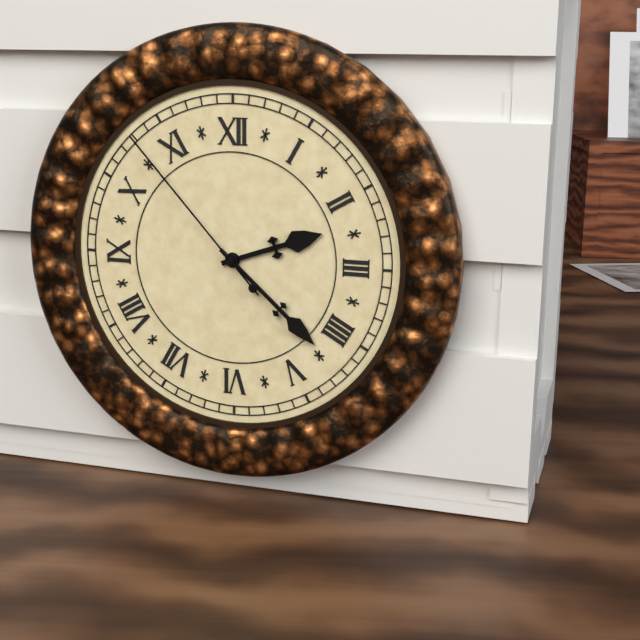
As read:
2:22:53
